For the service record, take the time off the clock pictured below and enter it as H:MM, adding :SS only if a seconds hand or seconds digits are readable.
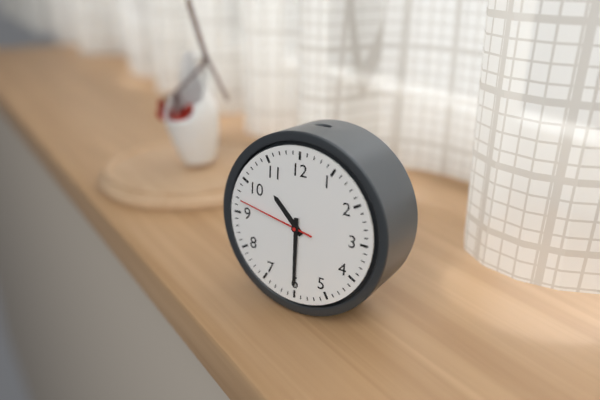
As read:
10:30:47
